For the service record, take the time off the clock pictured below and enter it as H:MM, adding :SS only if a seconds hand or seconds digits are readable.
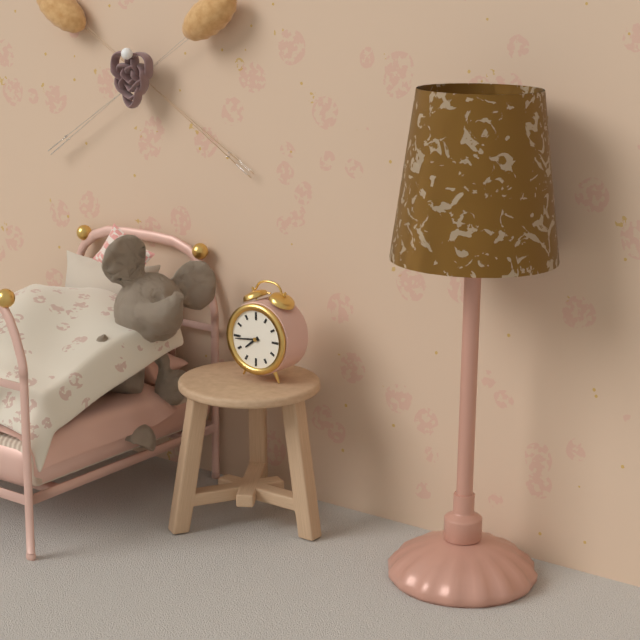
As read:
7:44
